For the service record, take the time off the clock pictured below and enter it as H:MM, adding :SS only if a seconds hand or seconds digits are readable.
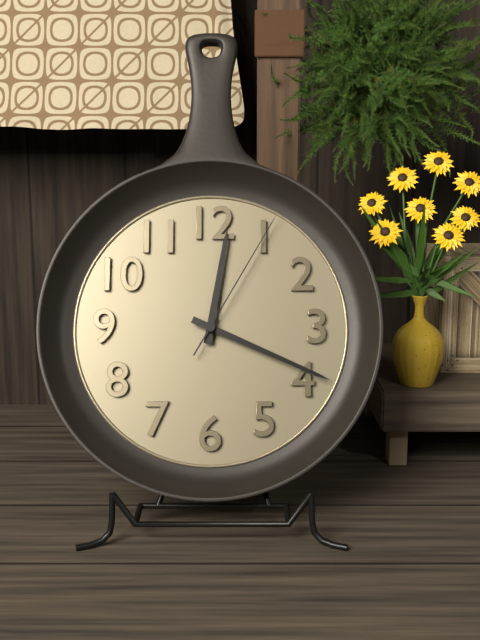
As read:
12:19:05
